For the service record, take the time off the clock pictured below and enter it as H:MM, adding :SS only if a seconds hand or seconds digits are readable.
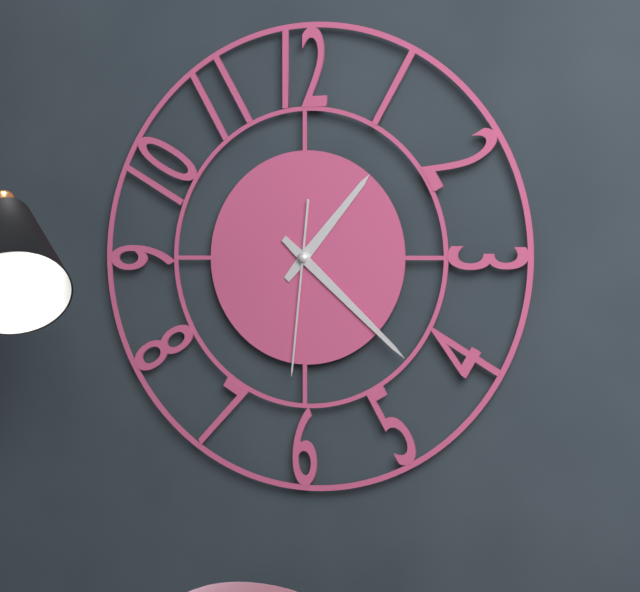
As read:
1:22:31
